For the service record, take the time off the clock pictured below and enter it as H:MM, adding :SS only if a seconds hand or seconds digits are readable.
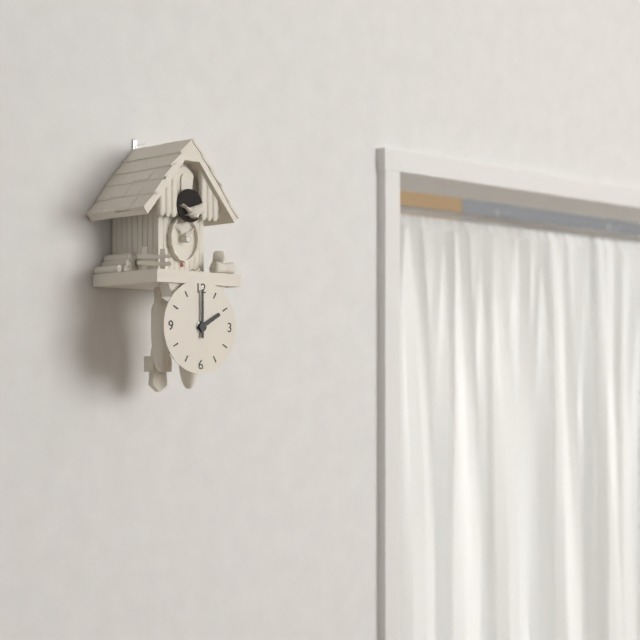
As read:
2:00
